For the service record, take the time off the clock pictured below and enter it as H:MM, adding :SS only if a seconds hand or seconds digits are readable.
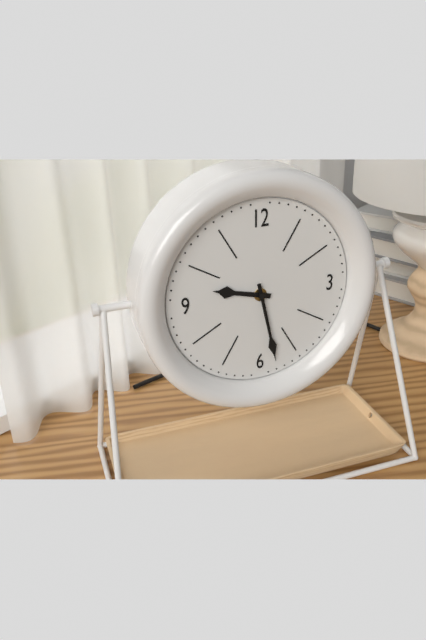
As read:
9:28
